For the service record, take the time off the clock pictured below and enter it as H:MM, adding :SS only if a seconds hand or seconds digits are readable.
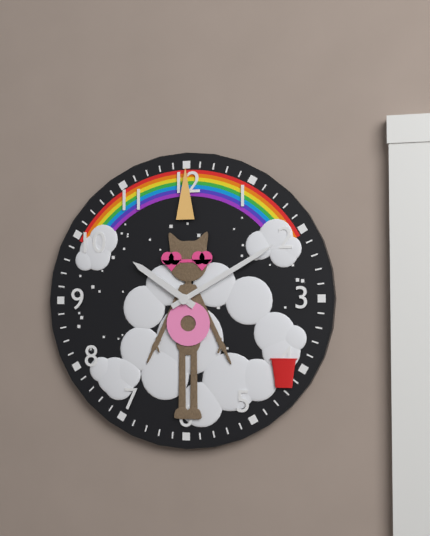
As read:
10:10
